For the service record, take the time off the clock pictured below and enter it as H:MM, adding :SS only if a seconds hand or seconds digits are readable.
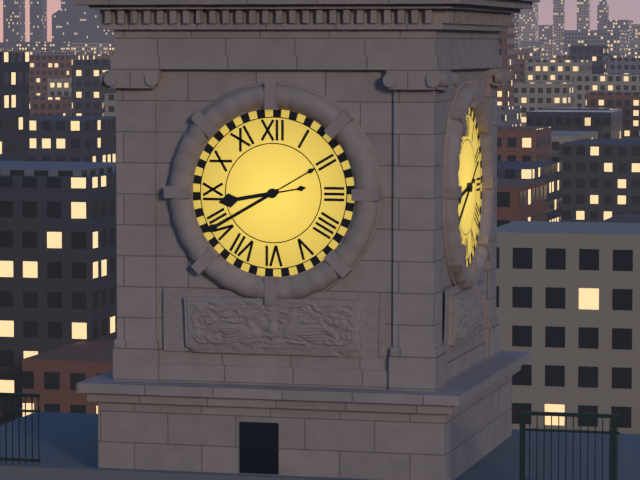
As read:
8:40
